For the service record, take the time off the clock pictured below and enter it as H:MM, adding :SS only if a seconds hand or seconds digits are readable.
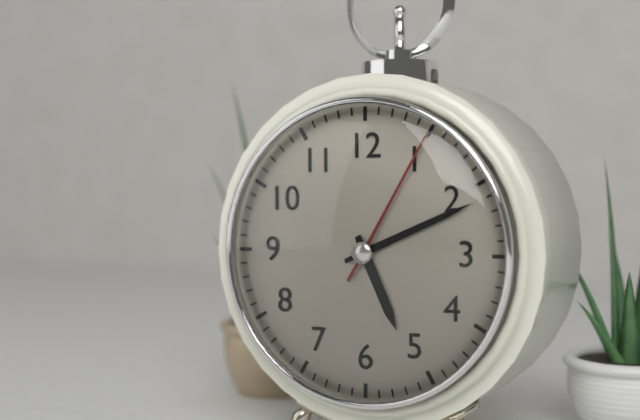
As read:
5:11:05
